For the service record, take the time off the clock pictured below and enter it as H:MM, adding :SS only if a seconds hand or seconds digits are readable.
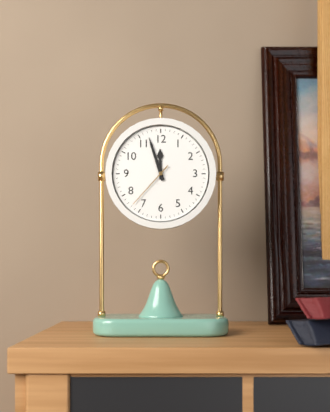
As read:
11:57:37
